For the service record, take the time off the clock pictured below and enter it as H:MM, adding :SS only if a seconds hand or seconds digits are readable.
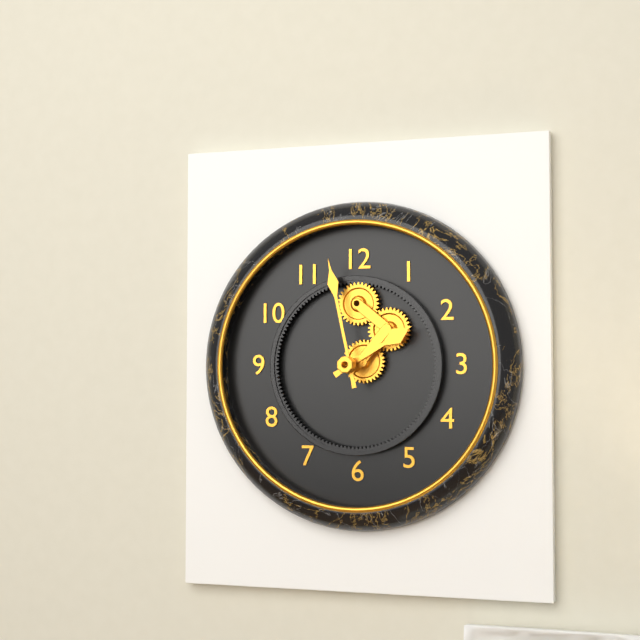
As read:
1:58
